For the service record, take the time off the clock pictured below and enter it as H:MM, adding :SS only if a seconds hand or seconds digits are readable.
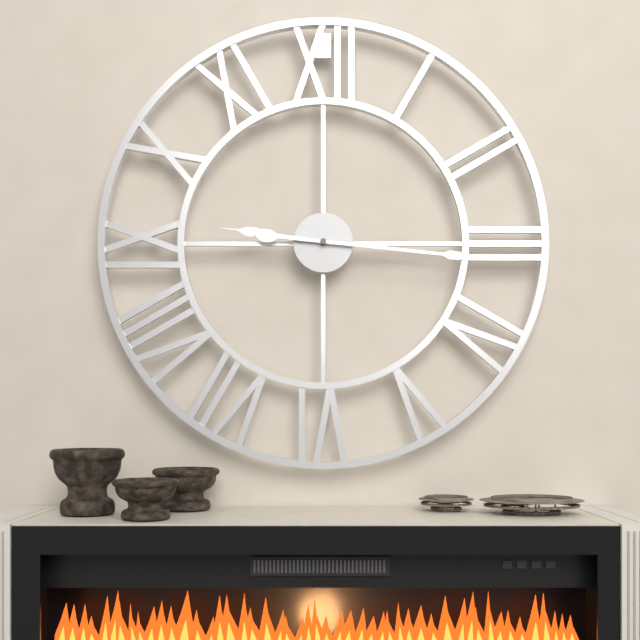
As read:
9:16
